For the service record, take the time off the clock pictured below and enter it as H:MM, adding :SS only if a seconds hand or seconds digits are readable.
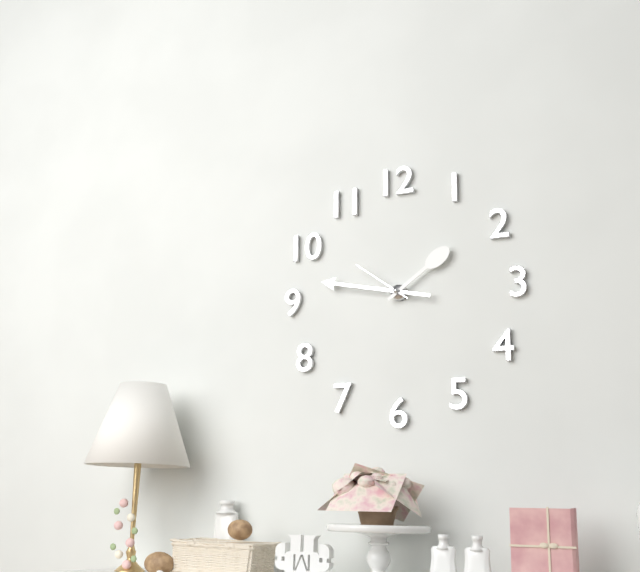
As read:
1:47:51
